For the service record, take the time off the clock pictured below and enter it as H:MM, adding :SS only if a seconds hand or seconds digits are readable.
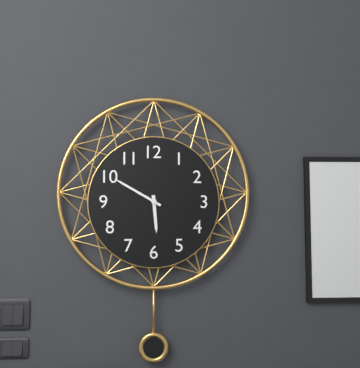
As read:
5:50
